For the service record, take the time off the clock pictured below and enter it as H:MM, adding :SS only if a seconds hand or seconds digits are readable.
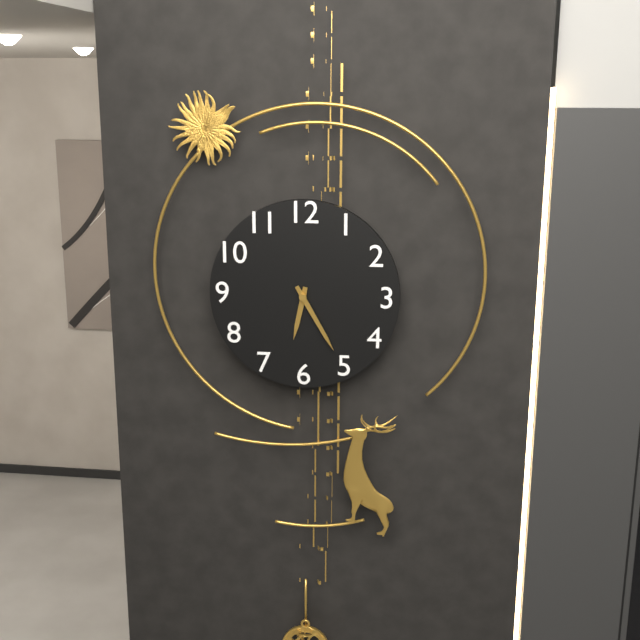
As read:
6:25
